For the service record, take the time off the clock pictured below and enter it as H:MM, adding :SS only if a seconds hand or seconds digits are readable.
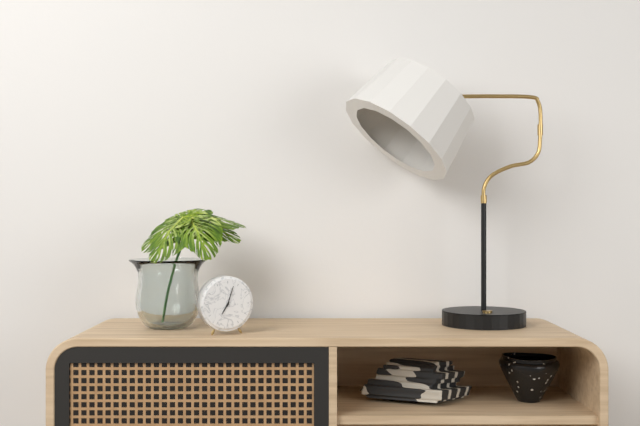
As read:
7:03
